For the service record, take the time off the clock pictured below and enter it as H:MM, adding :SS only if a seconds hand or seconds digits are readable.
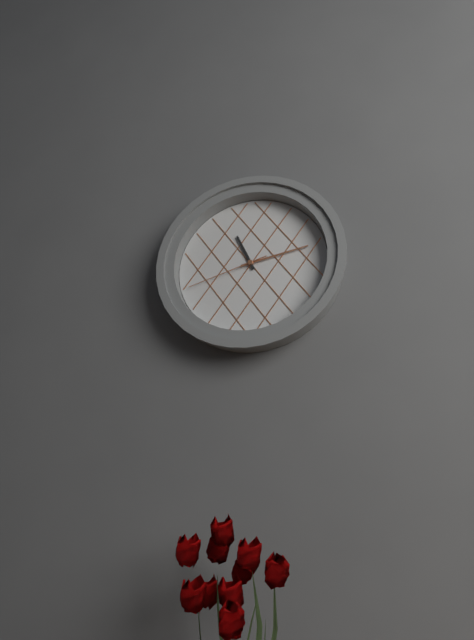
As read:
11:13:42
